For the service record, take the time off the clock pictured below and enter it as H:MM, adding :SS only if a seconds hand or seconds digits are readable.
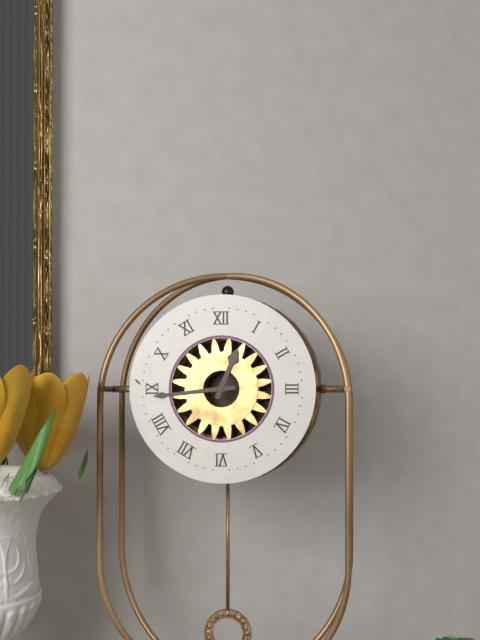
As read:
12:44
